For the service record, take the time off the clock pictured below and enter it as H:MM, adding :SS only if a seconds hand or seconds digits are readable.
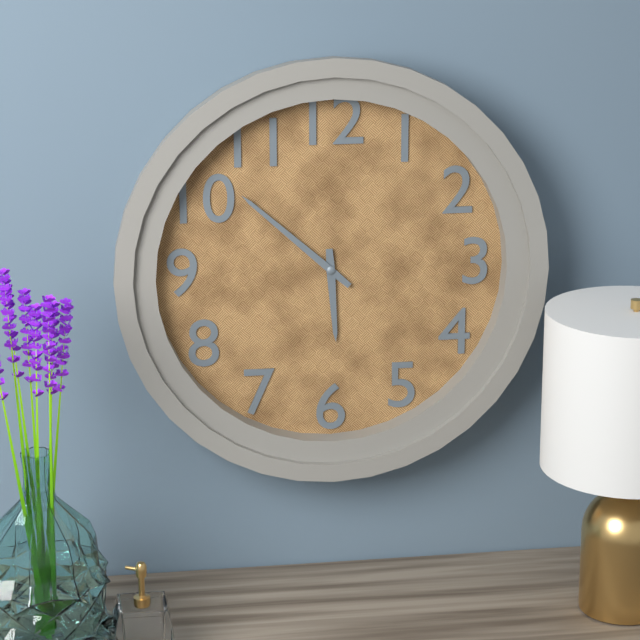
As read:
5:52
